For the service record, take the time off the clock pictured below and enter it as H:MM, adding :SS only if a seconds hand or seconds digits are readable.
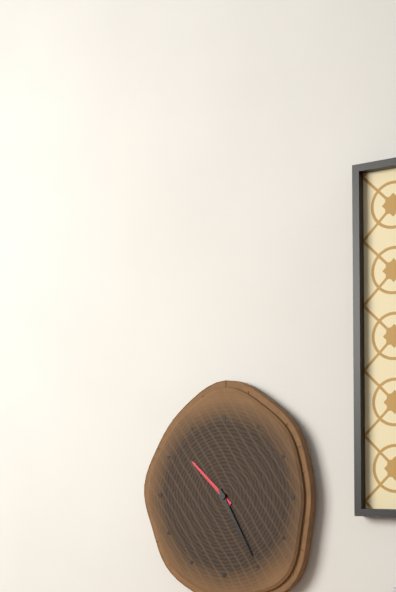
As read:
10:25
